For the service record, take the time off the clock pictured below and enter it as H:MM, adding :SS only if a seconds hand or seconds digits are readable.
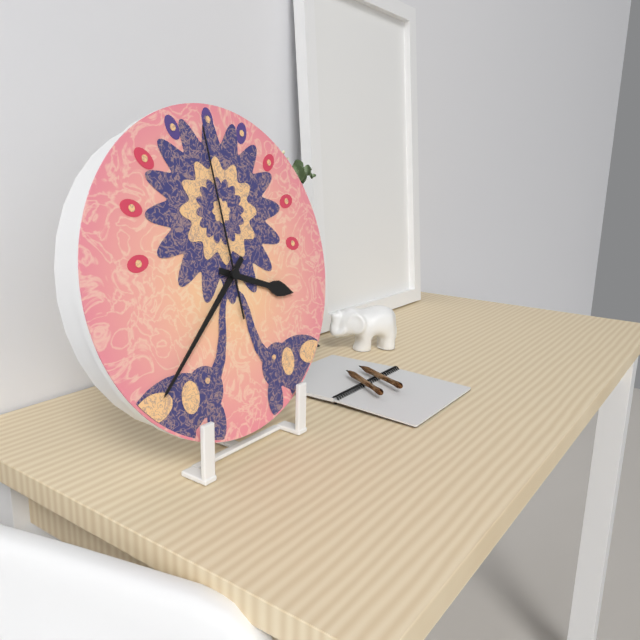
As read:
3:38:59
